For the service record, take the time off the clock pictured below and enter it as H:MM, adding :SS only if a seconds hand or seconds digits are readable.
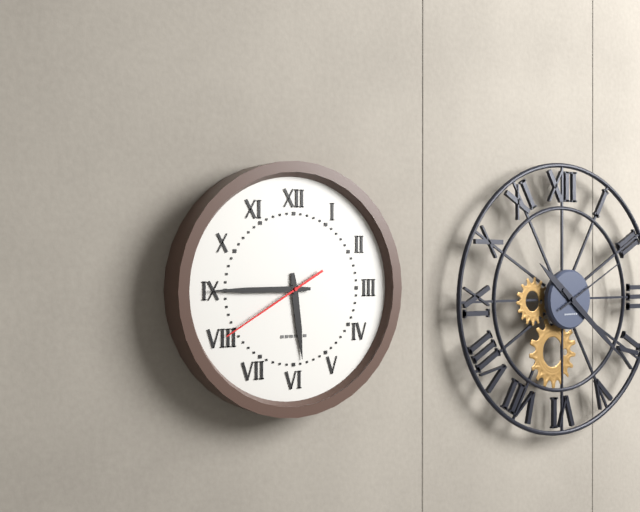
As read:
5:45:40
